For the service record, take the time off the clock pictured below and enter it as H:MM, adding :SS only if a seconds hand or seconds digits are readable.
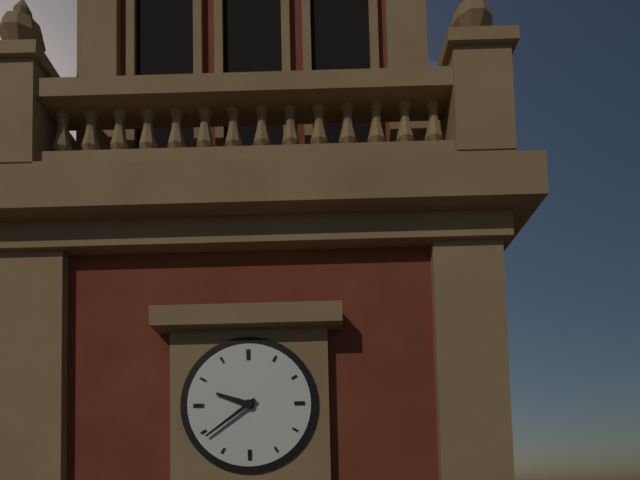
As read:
9:39
